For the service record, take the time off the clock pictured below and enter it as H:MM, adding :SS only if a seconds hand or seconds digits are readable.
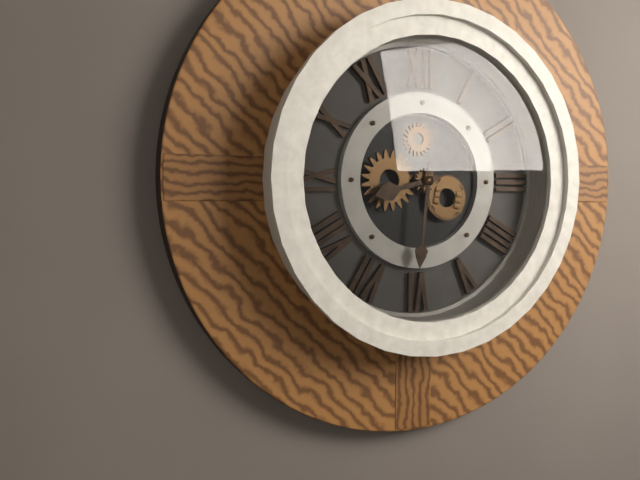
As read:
8:31
